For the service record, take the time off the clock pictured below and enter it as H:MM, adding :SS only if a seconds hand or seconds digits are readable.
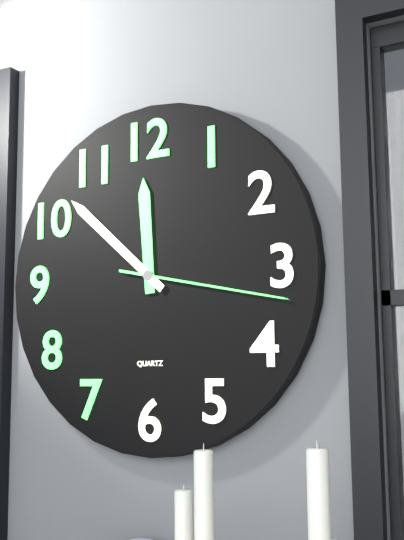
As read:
11:52:17
